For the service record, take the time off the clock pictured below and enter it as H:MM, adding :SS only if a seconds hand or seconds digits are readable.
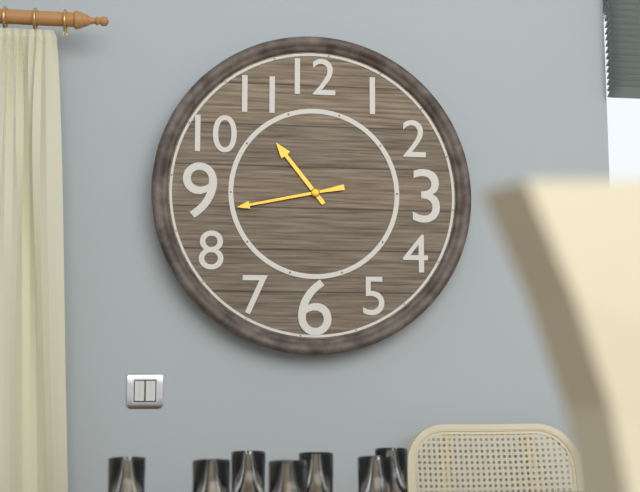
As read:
10:43
